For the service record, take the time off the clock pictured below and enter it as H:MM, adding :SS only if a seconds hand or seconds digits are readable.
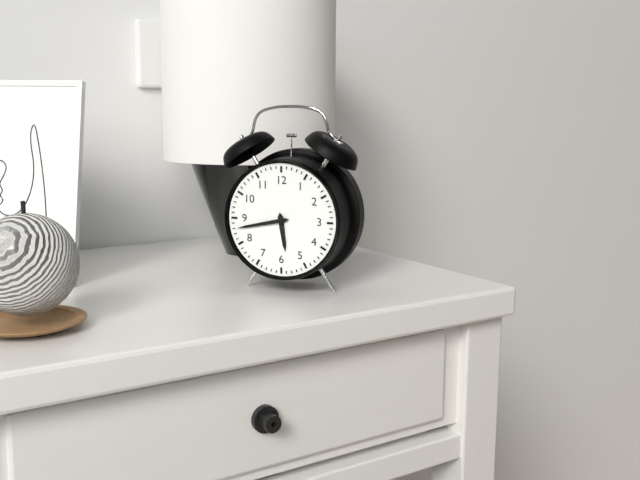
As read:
5:43
